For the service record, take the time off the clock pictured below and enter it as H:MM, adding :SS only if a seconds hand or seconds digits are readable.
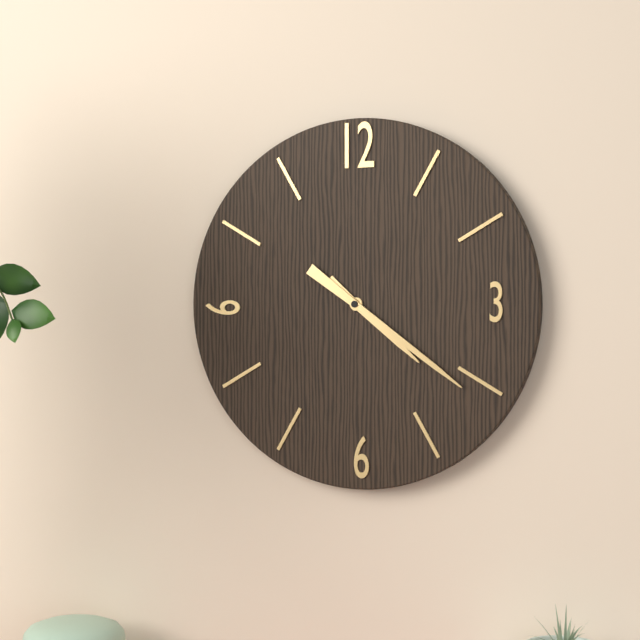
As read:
4:21
